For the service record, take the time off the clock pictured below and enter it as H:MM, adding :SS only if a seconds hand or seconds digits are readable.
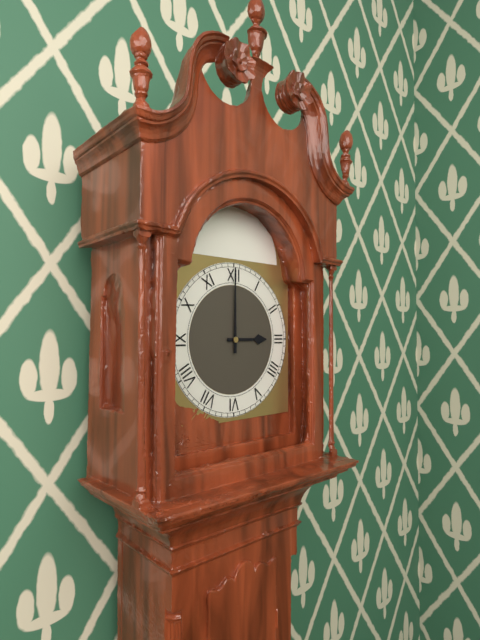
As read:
3:00
